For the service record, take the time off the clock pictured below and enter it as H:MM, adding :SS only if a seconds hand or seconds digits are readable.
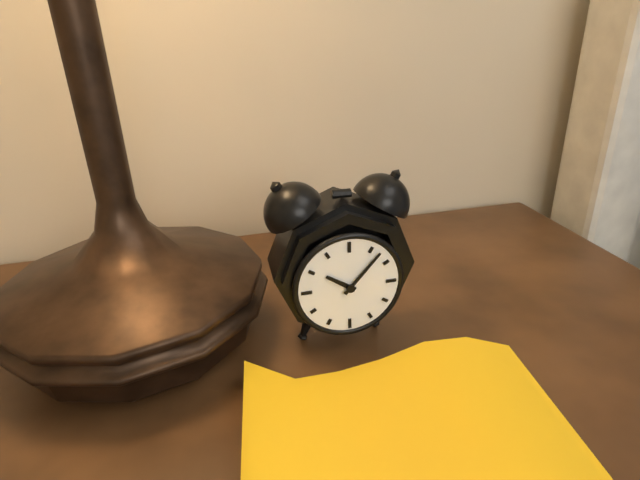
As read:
10:07
